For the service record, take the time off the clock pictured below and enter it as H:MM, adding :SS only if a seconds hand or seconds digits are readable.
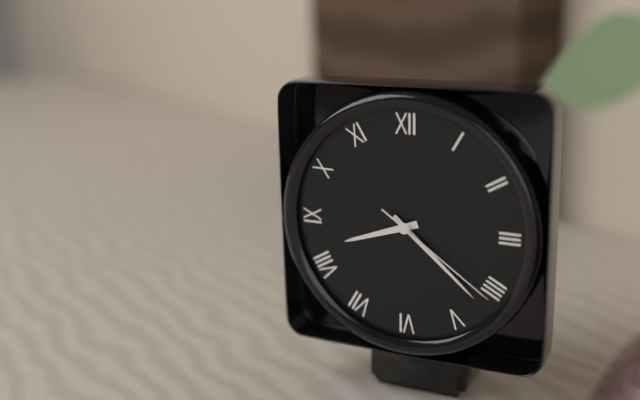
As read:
8:22:21
